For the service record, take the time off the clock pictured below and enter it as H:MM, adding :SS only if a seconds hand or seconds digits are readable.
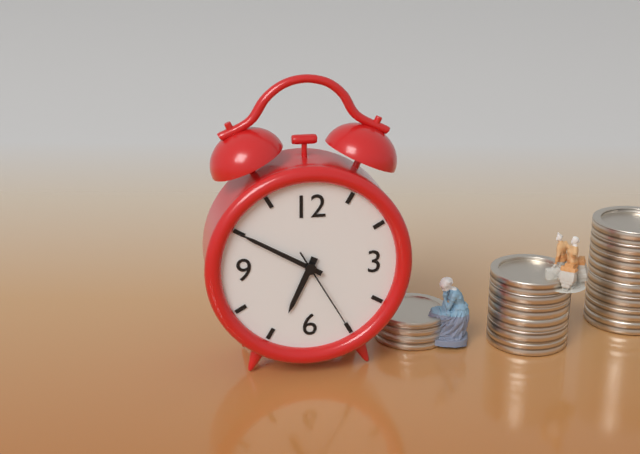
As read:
6:50:25
